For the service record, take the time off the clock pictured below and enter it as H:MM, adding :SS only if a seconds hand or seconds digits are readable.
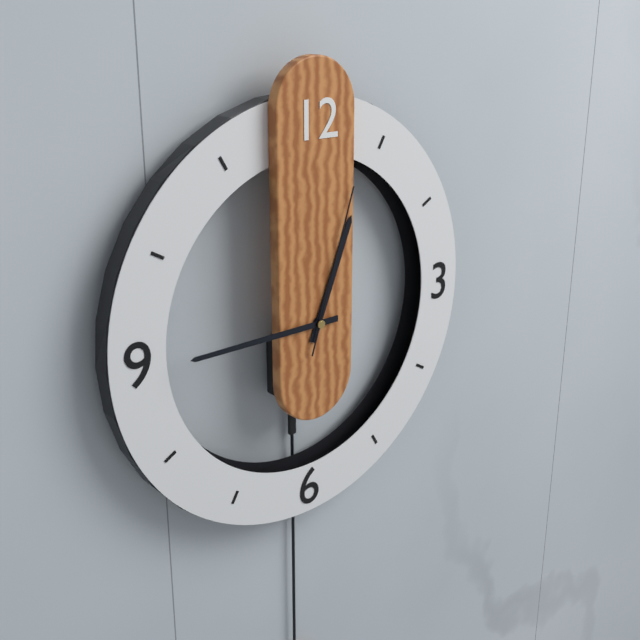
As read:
12:45:03
